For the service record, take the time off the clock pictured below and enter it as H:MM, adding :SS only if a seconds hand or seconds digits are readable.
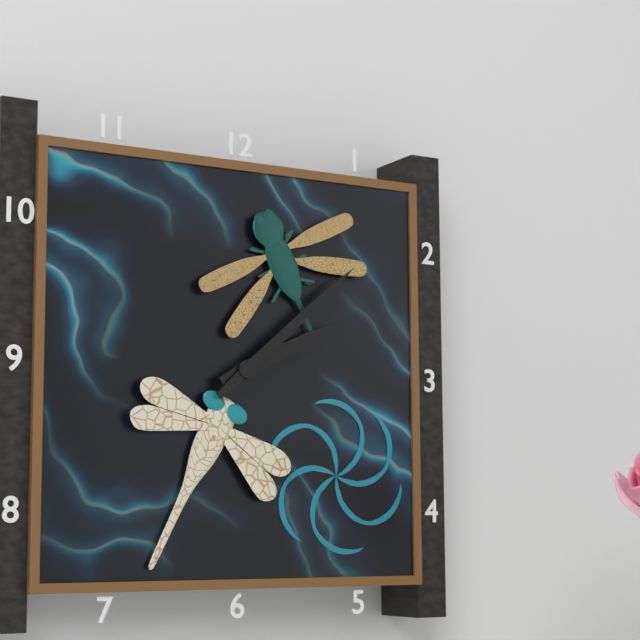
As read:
2:08
